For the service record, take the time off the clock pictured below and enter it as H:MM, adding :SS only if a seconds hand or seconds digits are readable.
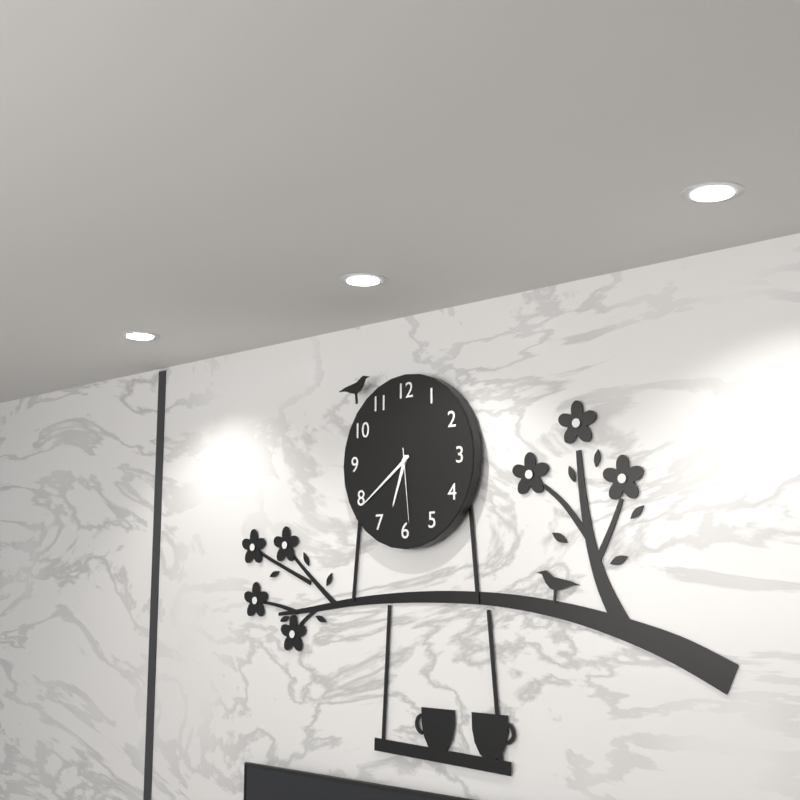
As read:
6:39:29
